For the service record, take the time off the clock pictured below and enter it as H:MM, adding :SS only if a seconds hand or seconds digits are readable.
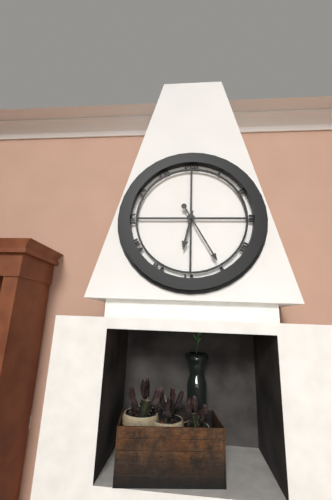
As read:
6:25
